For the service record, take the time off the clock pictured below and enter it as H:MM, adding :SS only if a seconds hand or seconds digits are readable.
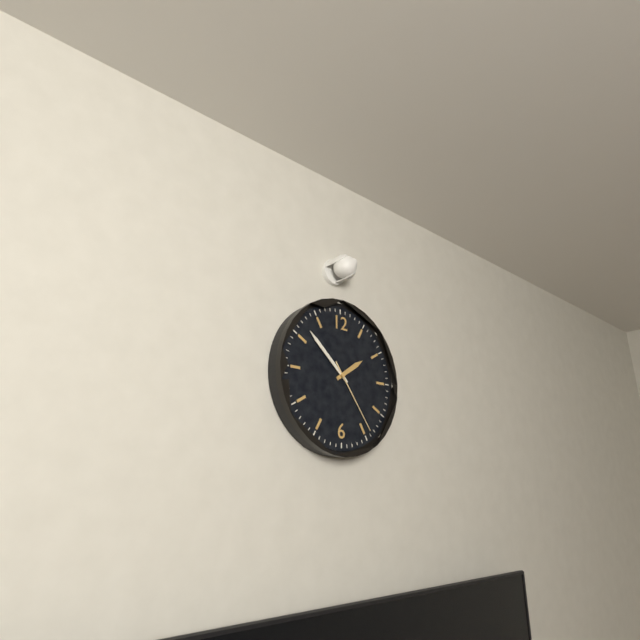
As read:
1:52:24
